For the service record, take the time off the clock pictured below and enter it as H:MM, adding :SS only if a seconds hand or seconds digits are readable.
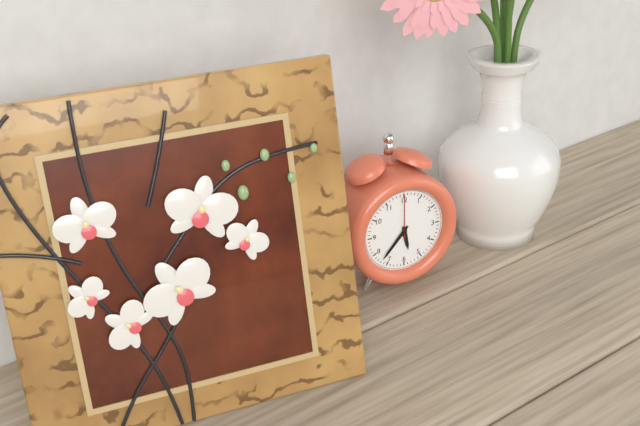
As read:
5:37
